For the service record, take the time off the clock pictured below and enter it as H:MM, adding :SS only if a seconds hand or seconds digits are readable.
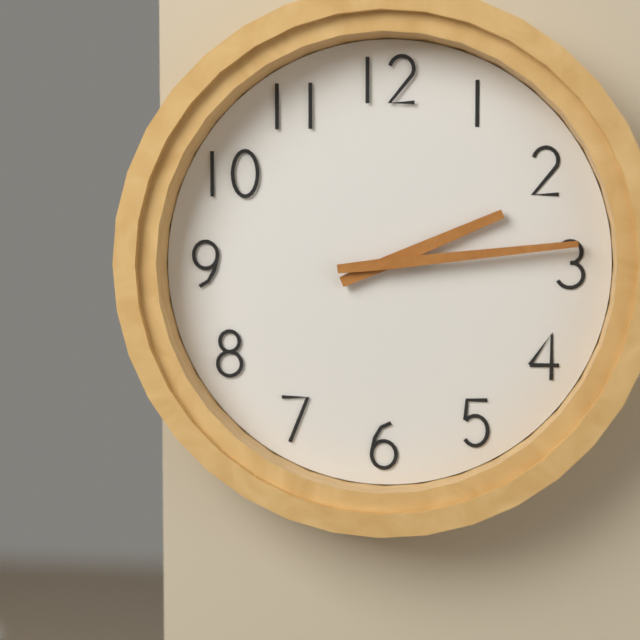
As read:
2:14
